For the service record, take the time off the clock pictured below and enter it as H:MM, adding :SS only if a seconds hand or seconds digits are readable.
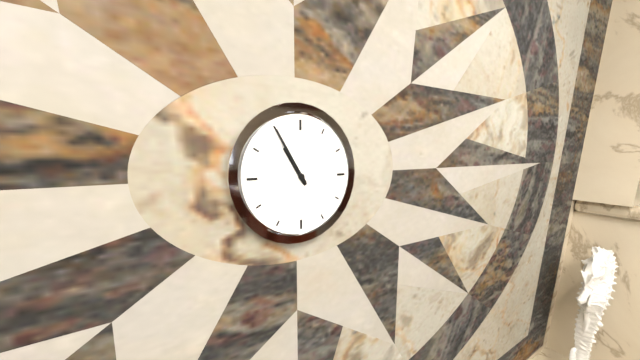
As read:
10:55
